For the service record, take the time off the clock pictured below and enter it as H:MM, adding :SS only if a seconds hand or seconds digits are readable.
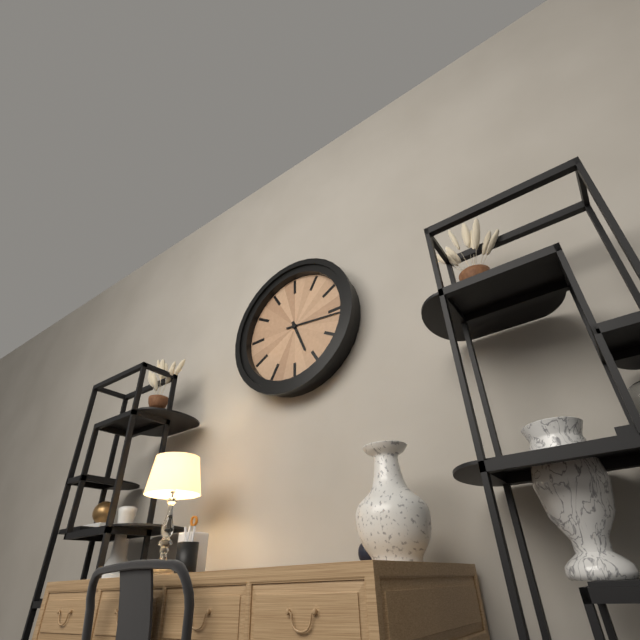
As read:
5:16
